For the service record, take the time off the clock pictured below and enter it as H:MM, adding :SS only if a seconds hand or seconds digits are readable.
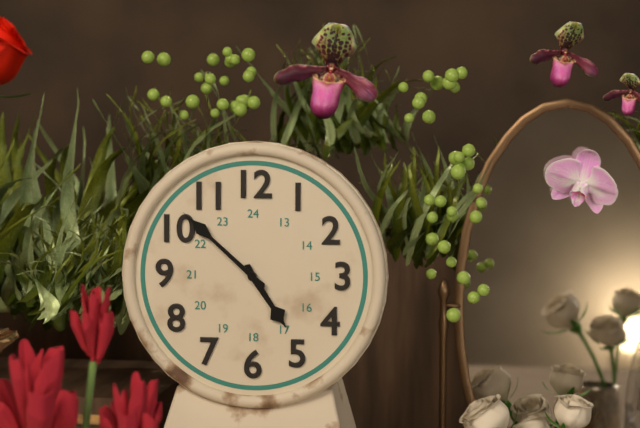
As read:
4:52
